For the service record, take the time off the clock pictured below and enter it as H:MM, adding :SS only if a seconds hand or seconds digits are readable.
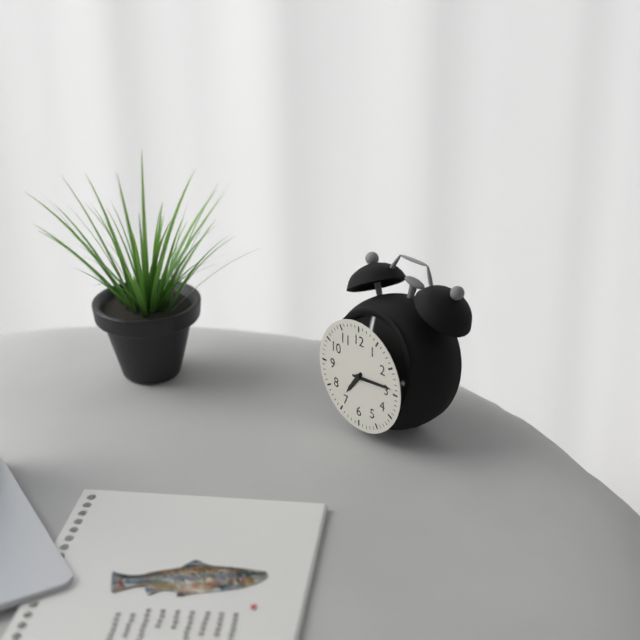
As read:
7:14
